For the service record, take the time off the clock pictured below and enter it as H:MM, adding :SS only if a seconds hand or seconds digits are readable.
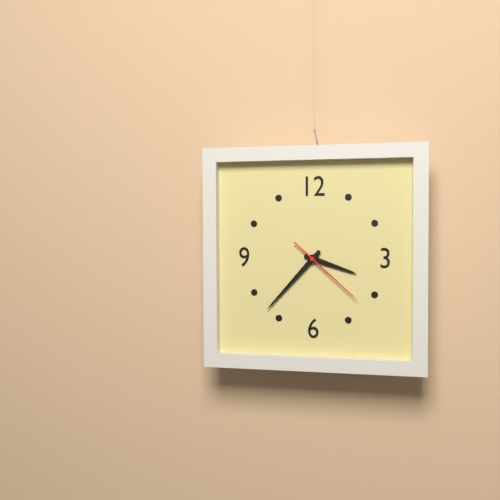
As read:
3:37:22
